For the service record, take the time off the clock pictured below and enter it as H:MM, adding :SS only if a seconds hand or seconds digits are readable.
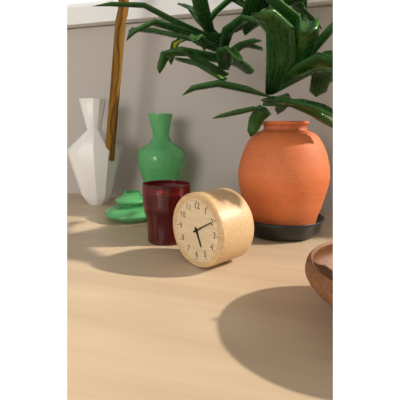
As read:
5:10
